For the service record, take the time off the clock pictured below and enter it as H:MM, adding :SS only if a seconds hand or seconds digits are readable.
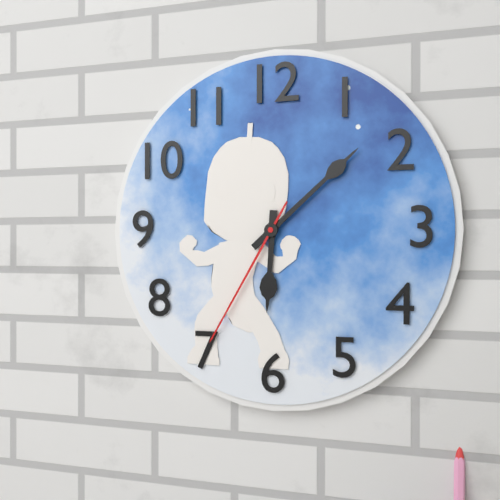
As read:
6:08:35
